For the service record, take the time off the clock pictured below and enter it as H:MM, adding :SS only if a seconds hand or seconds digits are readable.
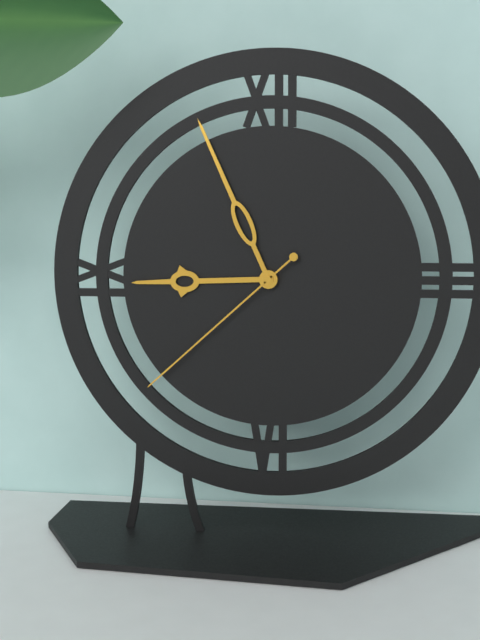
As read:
8:56:38
